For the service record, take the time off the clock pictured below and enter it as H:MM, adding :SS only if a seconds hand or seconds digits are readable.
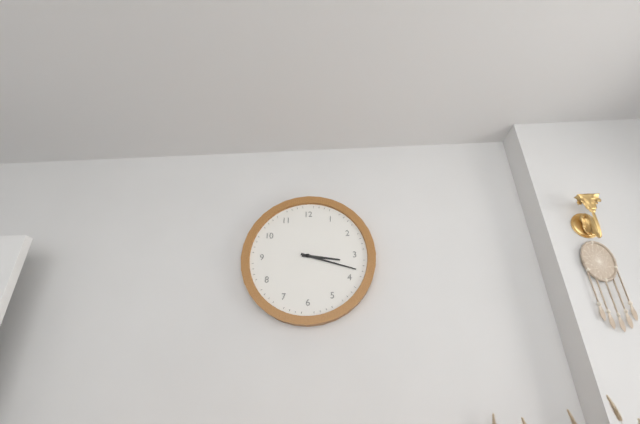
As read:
3:18
